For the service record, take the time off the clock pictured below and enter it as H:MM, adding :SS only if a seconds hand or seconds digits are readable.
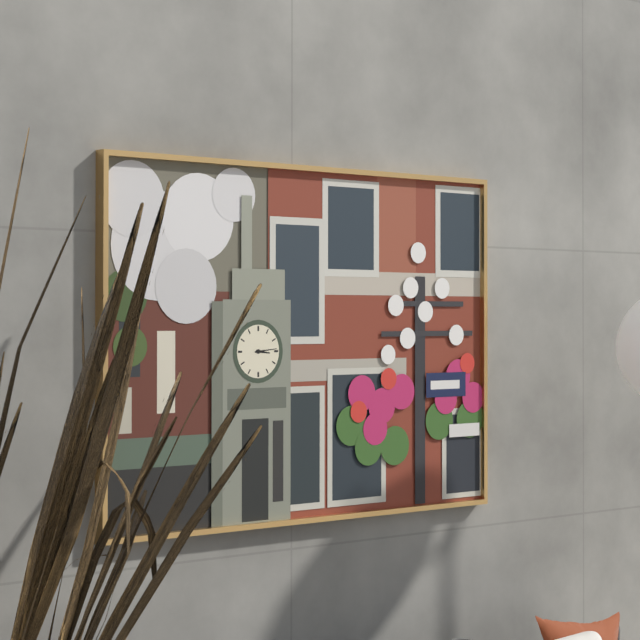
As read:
3:14
